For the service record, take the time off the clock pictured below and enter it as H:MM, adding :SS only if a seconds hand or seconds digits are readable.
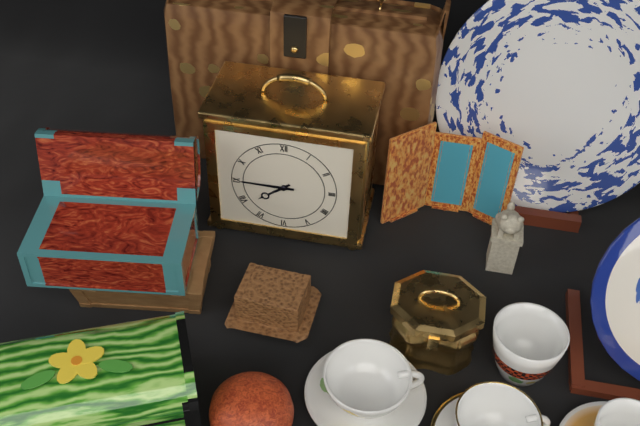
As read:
7:45
